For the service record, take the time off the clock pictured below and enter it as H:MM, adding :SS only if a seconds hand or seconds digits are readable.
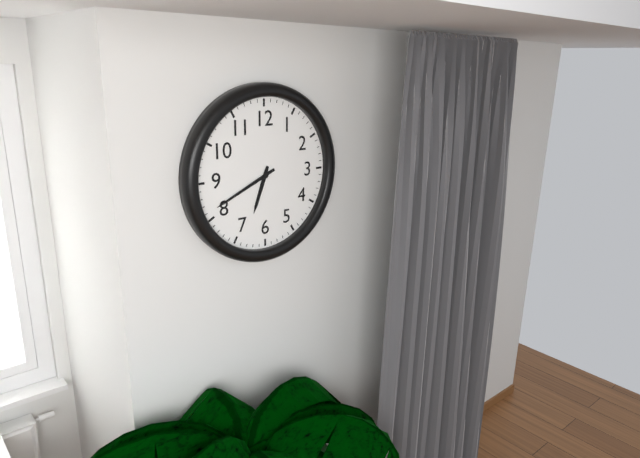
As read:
6:41
